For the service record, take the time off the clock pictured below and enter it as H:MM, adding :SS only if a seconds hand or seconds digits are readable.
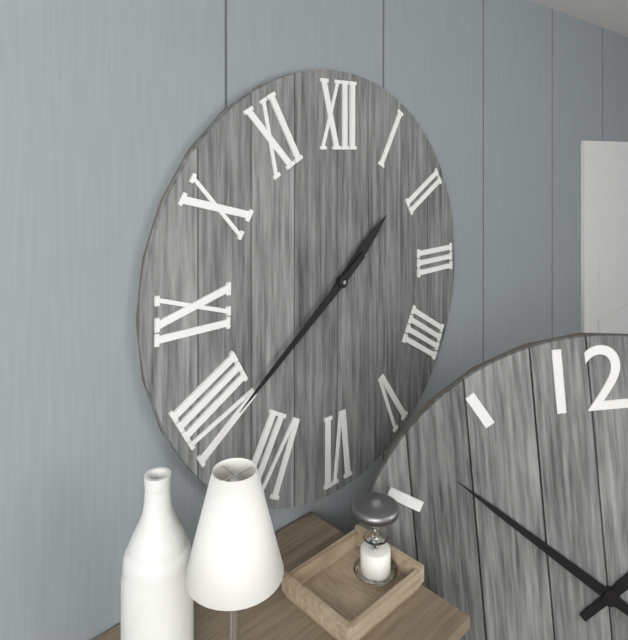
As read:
1:39
